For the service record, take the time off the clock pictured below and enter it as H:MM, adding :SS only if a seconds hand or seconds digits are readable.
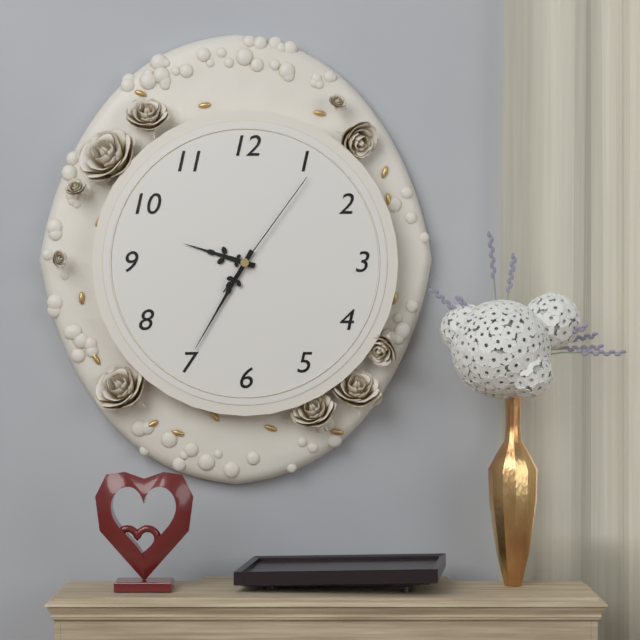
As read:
9:35:06
